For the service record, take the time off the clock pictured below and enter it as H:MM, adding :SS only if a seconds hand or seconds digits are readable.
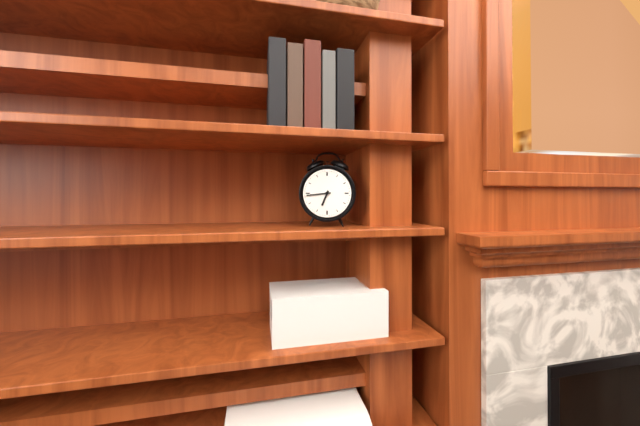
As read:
6:44
